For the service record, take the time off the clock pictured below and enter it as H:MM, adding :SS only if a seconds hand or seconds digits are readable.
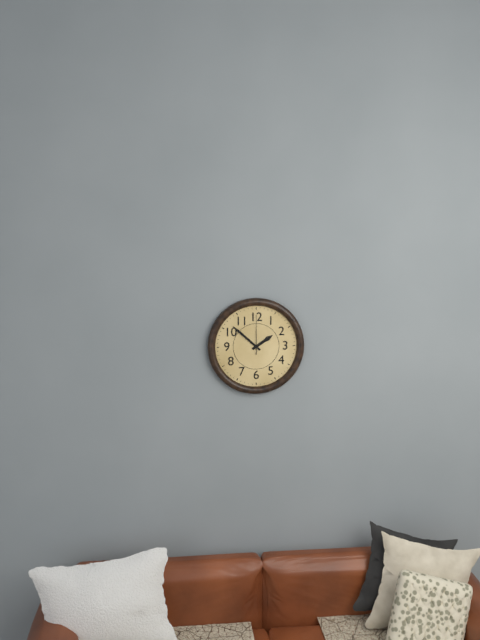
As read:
1:52
